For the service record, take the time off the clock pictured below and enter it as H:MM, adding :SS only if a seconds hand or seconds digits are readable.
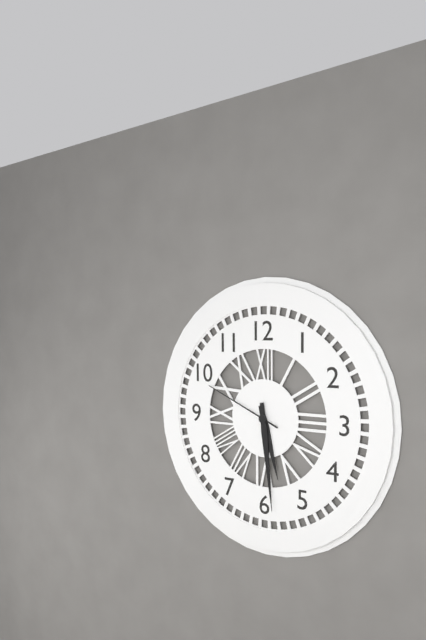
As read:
5:29:49
